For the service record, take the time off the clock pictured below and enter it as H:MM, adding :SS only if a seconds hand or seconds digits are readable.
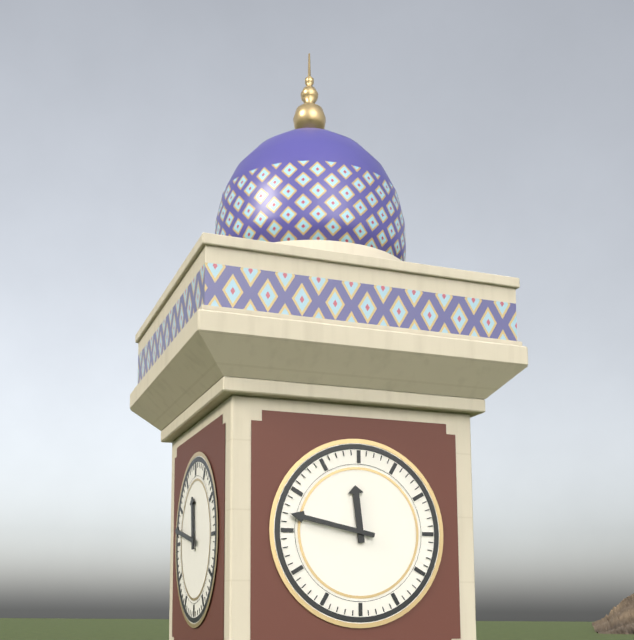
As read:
11:47
